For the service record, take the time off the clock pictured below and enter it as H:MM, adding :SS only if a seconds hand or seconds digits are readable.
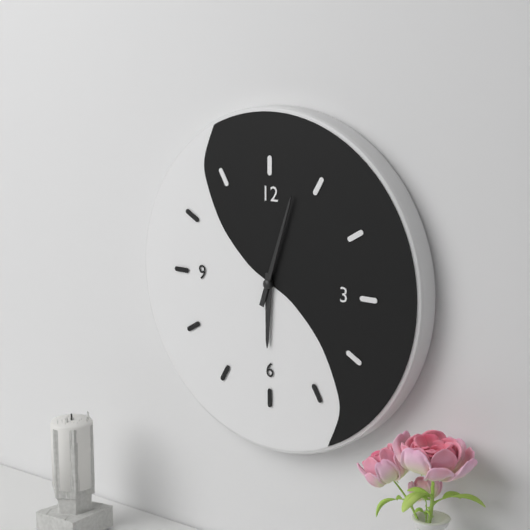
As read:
6:03
